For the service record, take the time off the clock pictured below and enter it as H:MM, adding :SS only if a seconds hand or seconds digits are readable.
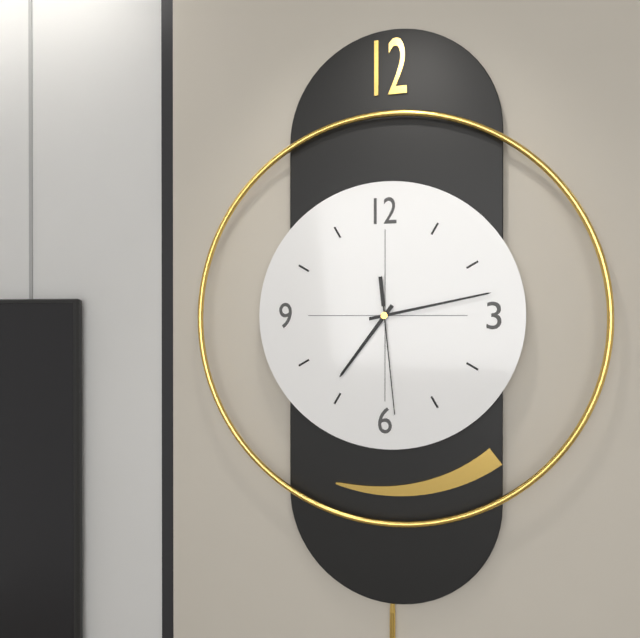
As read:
7:13:29
